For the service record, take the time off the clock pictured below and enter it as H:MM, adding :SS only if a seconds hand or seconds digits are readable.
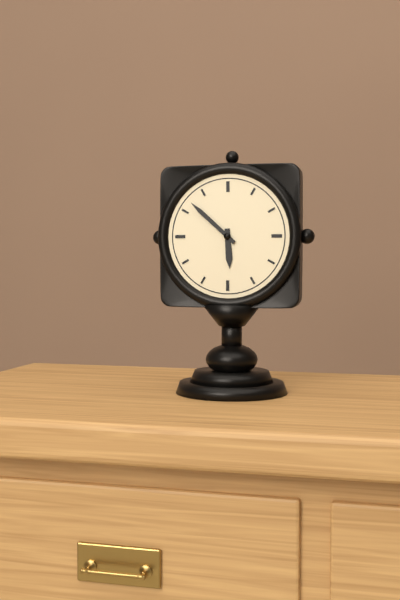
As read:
5:52
